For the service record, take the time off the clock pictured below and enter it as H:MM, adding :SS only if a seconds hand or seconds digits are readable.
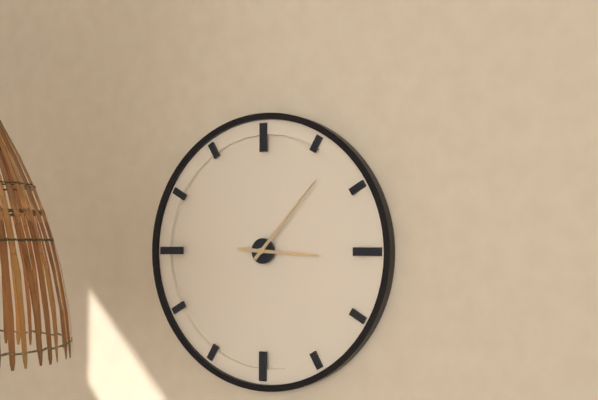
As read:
3:07
